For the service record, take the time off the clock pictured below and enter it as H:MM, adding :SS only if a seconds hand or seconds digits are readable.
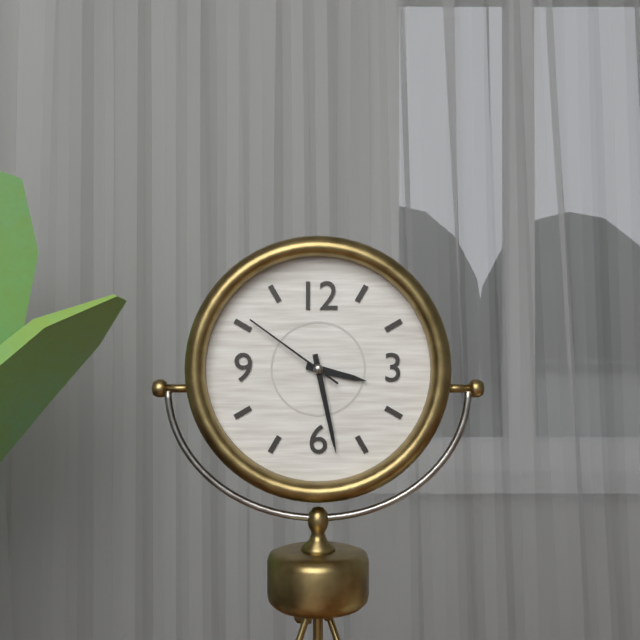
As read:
3:28:51
